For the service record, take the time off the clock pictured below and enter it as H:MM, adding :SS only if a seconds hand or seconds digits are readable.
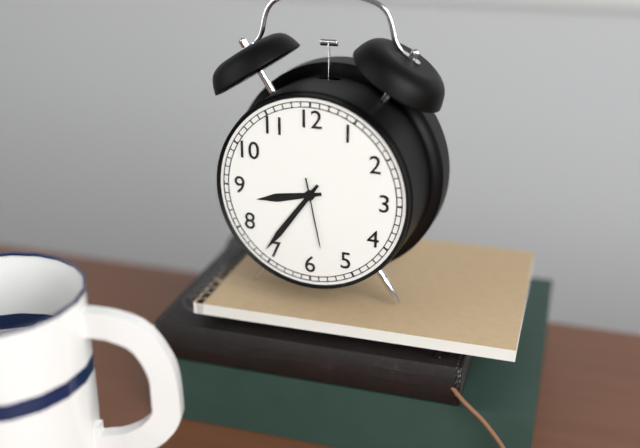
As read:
8:36:28
